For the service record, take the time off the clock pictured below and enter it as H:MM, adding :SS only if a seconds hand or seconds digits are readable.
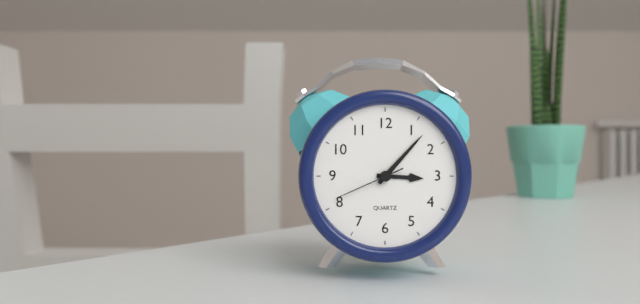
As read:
3:07:41
